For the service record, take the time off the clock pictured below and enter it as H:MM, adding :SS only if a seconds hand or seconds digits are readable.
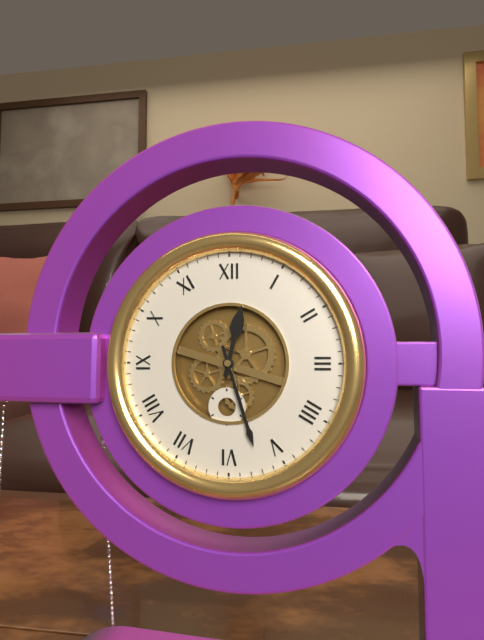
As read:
12:27
